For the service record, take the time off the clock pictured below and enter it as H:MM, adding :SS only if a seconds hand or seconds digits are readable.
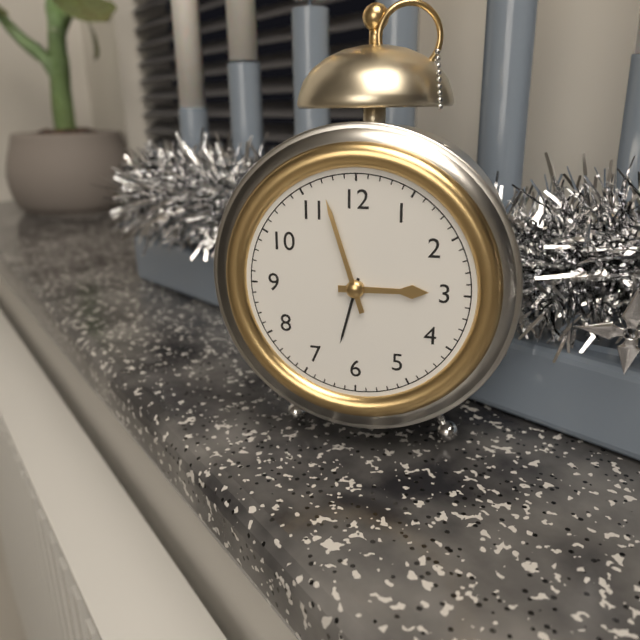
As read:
2:57
